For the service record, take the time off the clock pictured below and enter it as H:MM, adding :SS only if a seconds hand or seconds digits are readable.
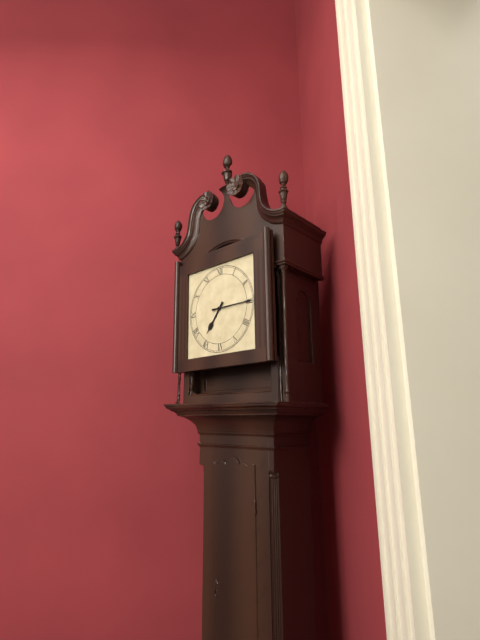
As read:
7:15
